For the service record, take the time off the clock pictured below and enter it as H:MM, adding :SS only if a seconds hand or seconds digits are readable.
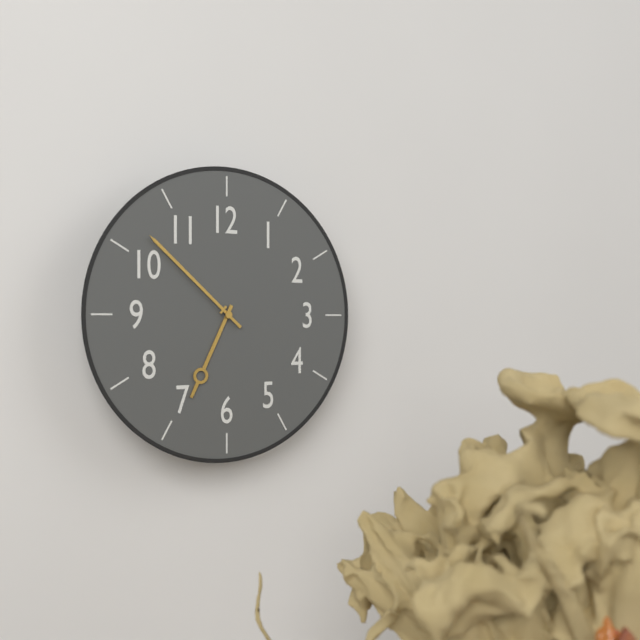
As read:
6:52
